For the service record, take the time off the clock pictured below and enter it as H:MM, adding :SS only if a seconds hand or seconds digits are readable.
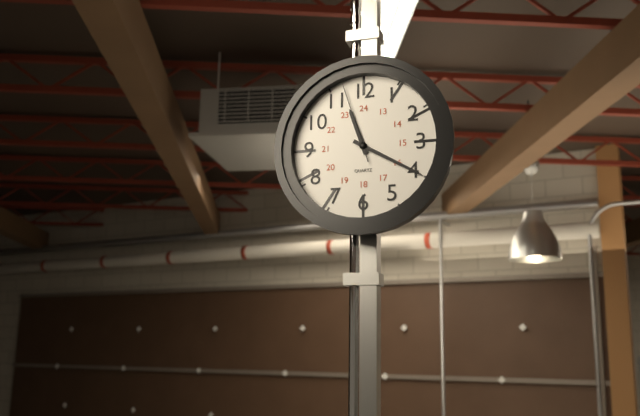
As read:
11:20:57
